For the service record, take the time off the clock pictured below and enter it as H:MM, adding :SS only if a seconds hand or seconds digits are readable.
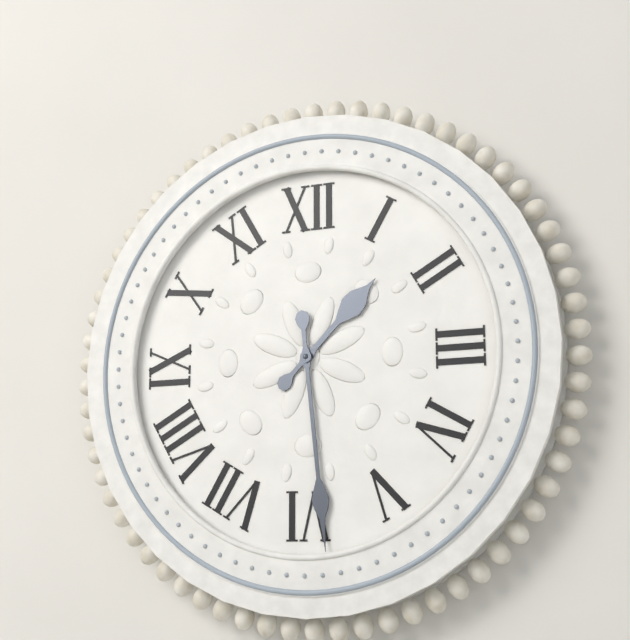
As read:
1:29
